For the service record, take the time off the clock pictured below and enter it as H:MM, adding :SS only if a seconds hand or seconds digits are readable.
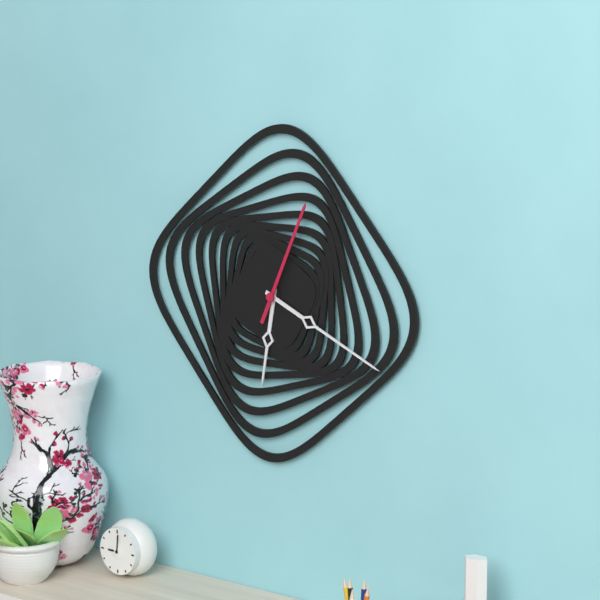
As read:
6:19:04
